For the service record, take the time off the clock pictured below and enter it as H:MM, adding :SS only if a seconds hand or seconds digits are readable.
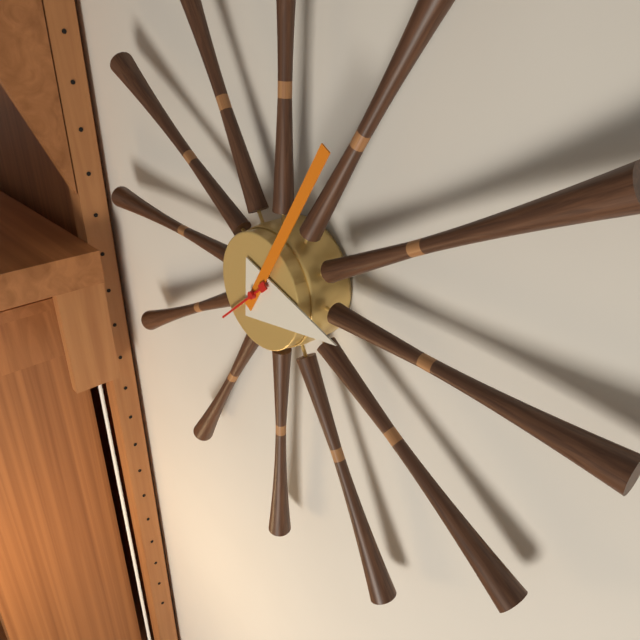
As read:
3:05:38
